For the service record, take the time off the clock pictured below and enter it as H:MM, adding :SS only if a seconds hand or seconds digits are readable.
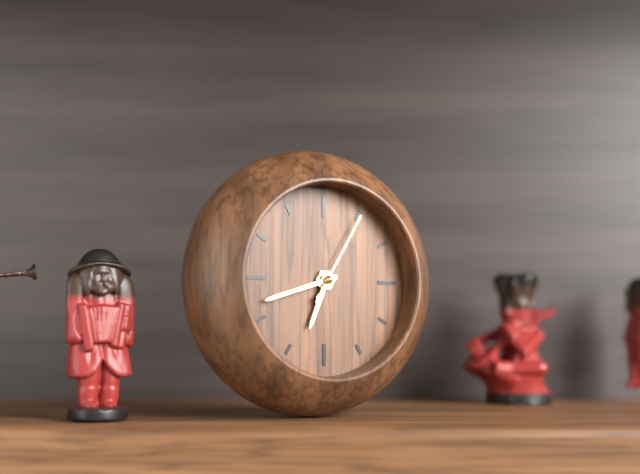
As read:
6:42:05
